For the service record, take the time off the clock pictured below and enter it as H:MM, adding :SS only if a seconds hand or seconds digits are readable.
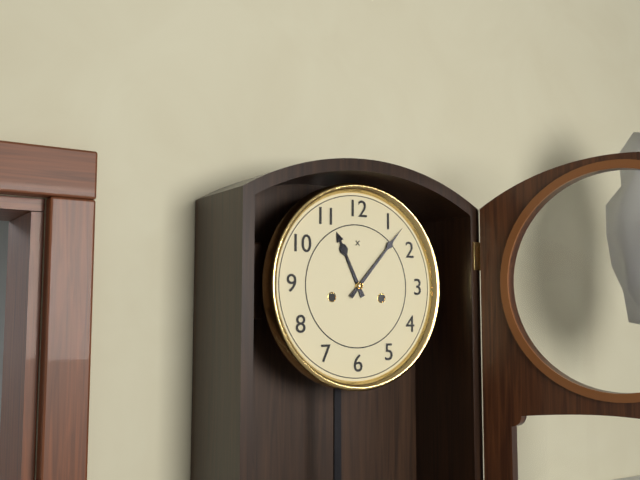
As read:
11:07
